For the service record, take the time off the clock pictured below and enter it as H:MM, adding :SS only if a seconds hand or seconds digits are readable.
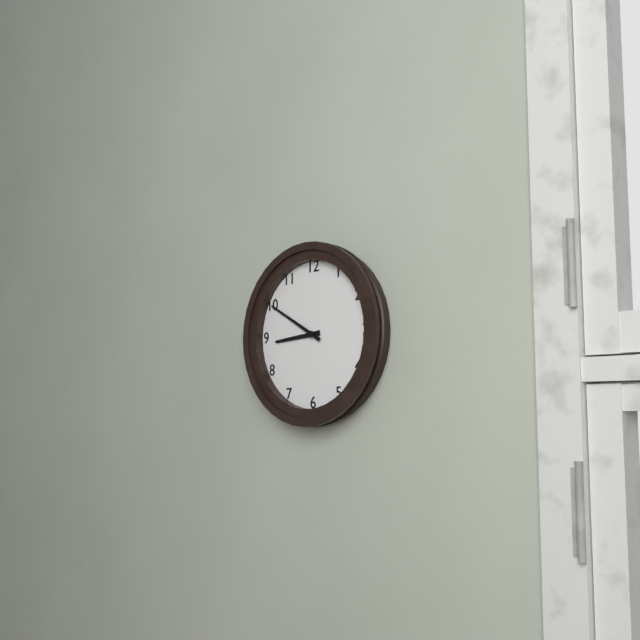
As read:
8:50
